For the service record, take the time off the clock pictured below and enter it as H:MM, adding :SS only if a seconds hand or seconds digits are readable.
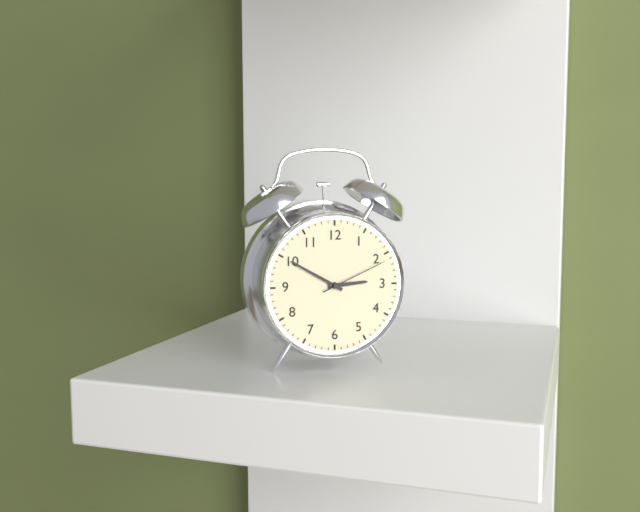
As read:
2:50:11
